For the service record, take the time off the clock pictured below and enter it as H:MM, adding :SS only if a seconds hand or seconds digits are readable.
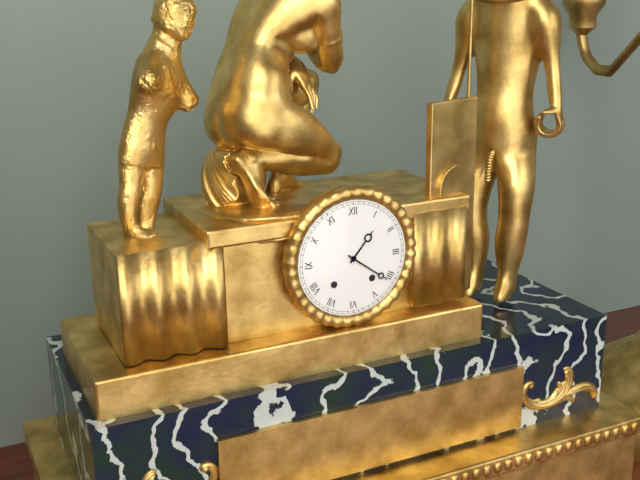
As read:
1:21
